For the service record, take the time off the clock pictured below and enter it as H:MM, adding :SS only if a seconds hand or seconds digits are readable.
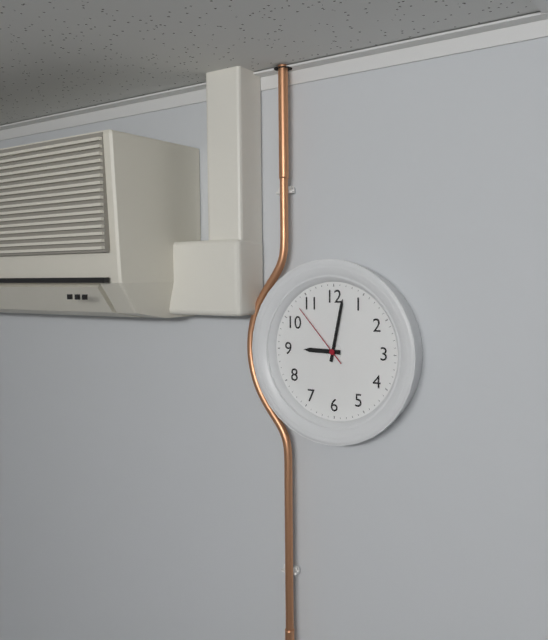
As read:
9:02:53
